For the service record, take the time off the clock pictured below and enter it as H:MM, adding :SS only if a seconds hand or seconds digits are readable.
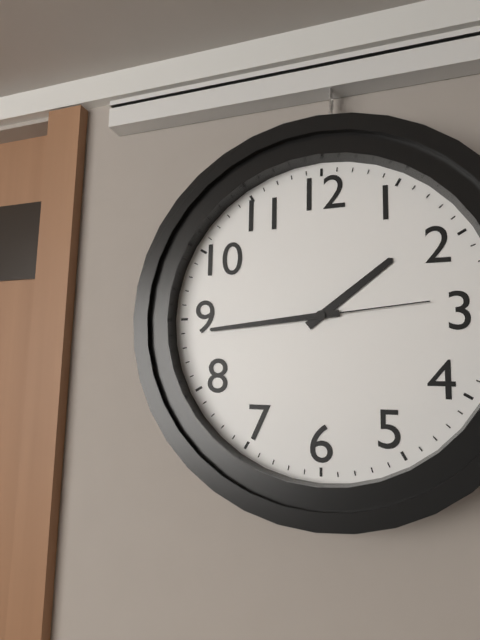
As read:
1:44:14
